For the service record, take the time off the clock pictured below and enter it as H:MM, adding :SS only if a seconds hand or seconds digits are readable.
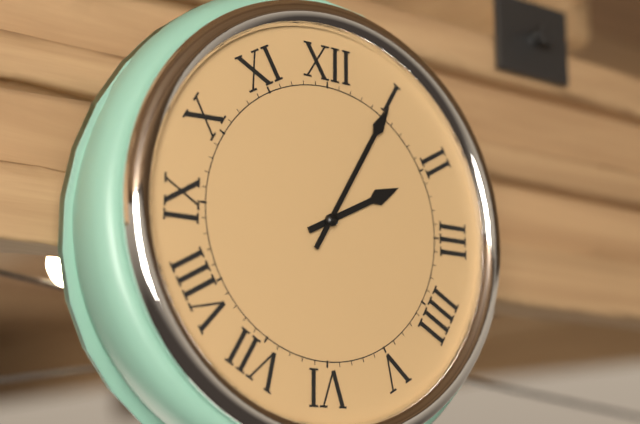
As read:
2:05
